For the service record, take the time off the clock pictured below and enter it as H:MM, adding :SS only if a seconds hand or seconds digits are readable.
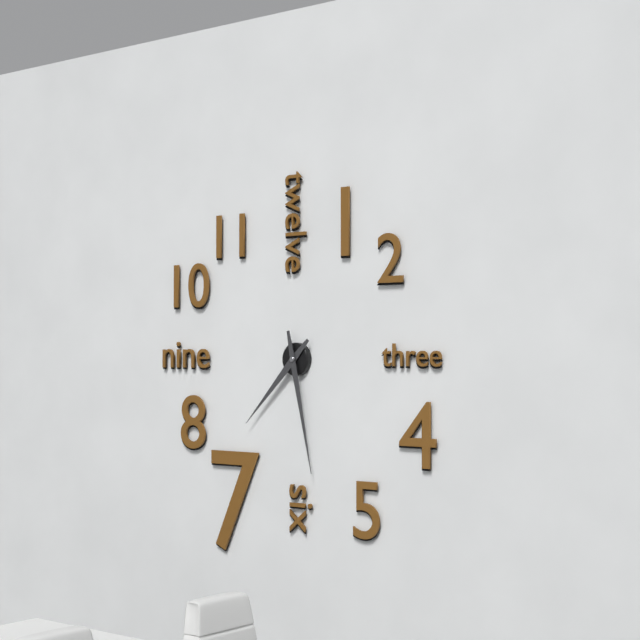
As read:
7:28
